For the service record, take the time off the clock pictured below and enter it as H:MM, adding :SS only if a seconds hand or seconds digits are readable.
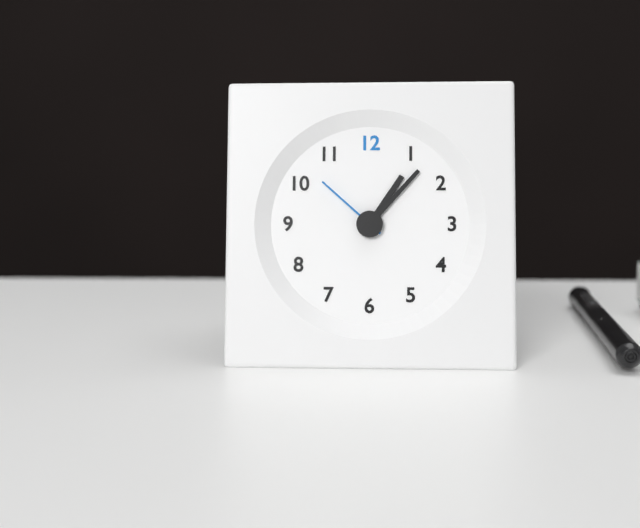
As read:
1:07:52
